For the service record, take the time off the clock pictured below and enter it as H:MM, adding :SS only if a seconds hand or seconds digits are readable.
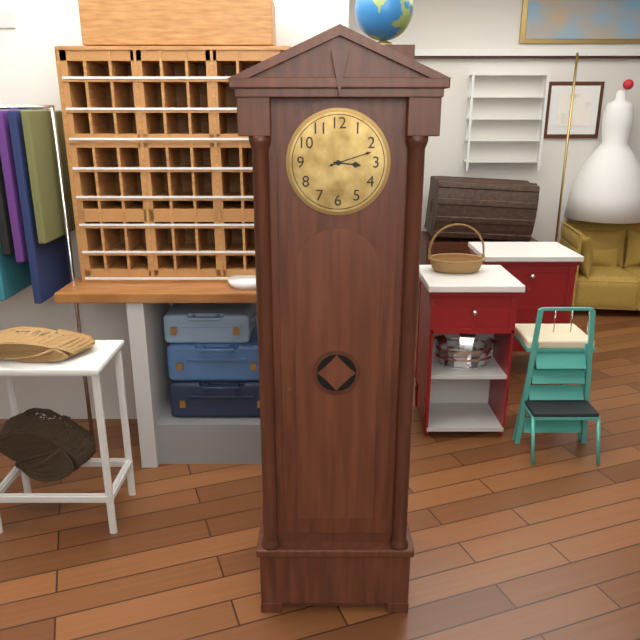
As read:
3:12
